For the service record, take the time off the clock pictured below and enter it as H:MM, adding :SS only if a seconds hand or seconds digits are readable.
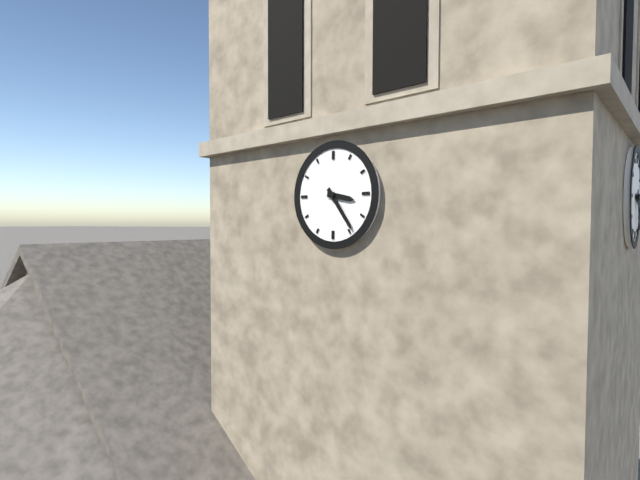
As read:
3:24
